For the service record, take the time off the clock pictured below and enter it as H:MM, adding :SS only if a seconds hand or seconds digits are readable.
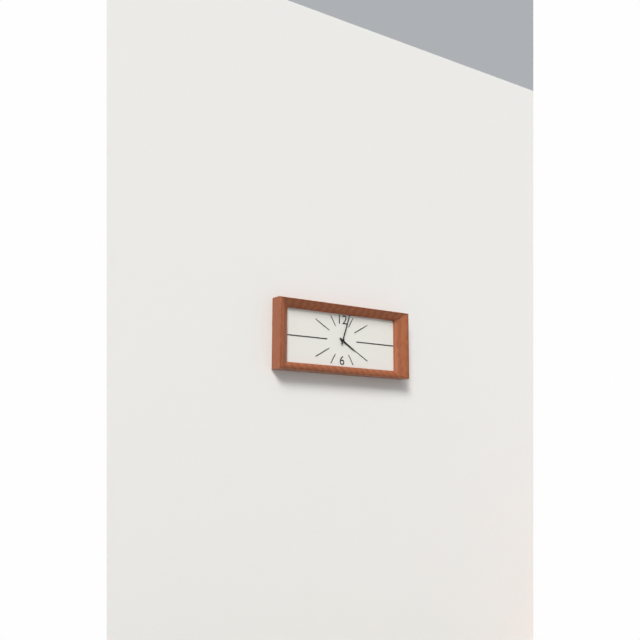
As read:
4:03
